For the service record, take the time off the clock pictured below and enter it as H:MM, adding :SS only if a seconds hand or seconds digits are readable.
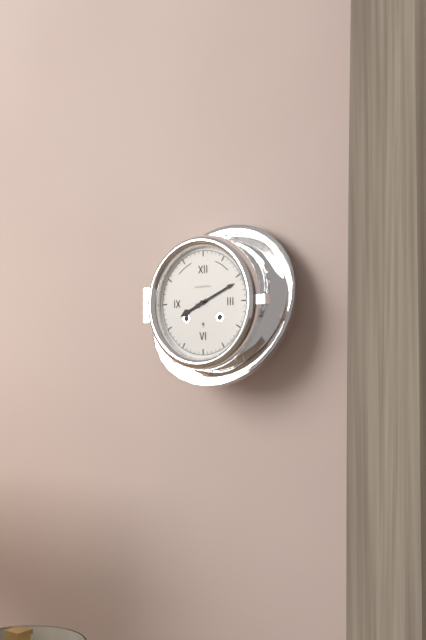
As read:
8:11
